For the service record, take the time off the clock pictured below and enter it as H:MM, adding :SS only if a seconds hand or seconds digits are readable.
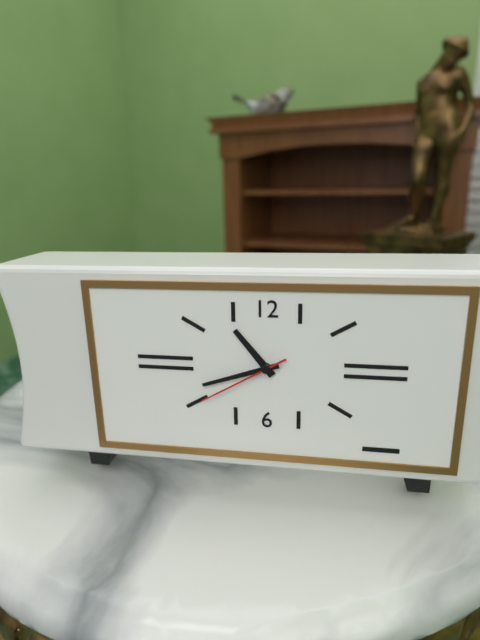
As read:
10:42:40
